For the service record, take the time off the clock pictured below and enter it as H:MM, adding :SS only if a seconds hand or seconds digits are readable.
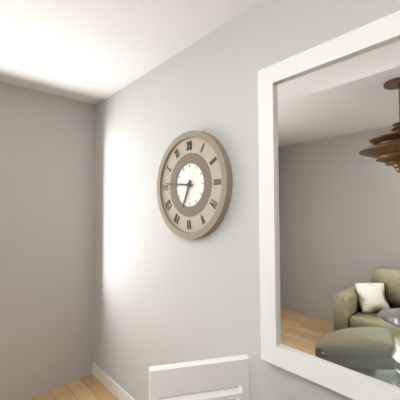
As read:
6:46
